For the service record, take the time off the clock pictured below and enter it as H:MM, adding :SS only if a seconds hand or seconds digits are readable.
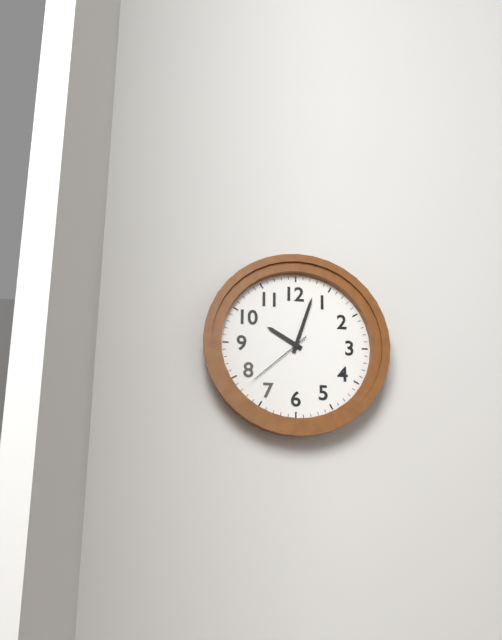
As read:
10:03:38
